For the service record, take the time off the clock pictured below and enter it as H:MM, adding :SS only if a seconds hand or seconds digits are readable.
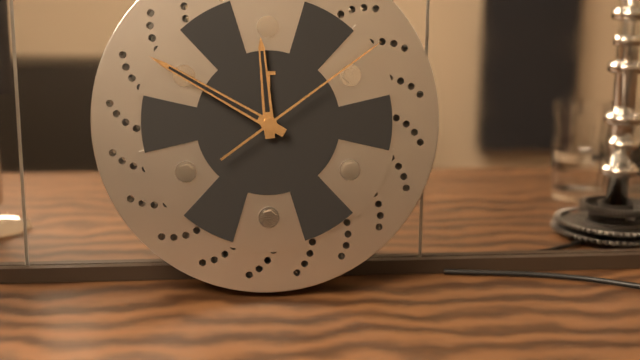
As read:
11:50:09
